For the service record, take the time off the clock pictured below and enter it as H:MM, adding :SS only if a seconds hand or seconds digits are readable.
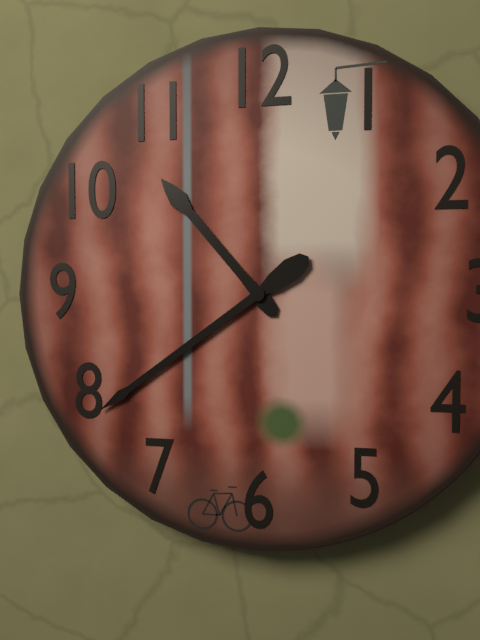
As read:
10:39
